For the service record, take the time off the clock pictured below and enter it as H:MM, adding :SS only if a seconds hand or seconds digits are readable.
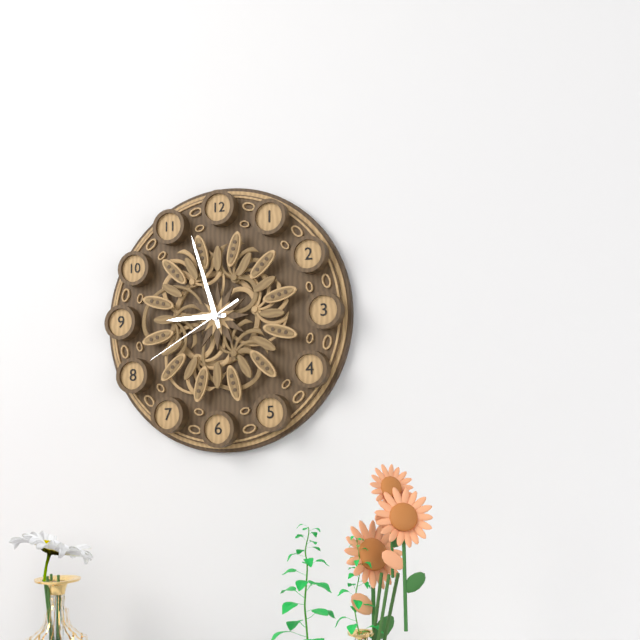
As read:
8:57:40
